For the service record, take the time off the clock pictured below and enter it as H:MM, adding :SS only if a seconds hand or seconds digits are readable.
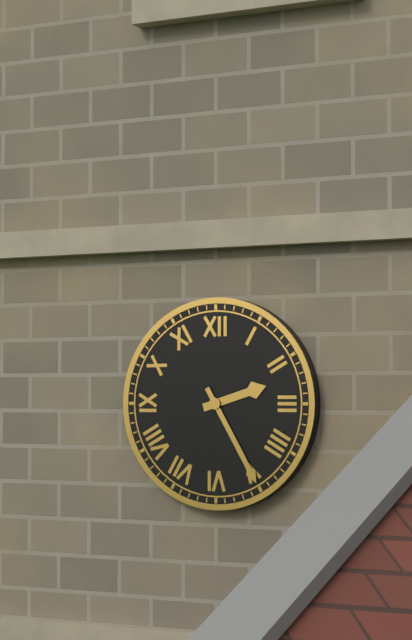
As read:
2:25
